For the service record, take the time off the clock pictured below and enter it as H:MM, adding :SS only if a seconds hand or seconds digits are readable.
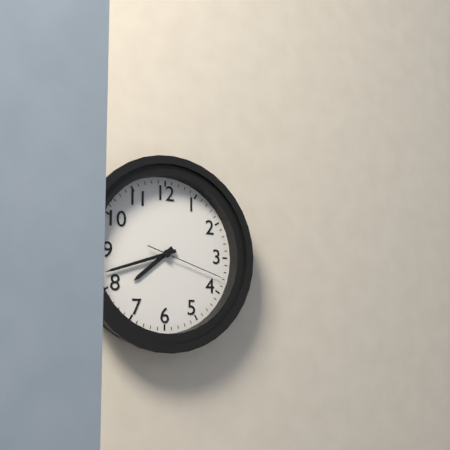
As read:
7:42:18
